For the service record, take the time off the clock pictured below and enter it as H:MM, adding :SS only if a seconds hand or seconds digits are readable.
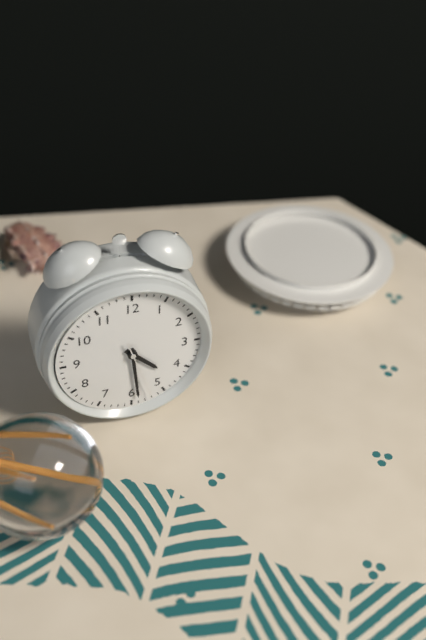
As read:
4:29:27
